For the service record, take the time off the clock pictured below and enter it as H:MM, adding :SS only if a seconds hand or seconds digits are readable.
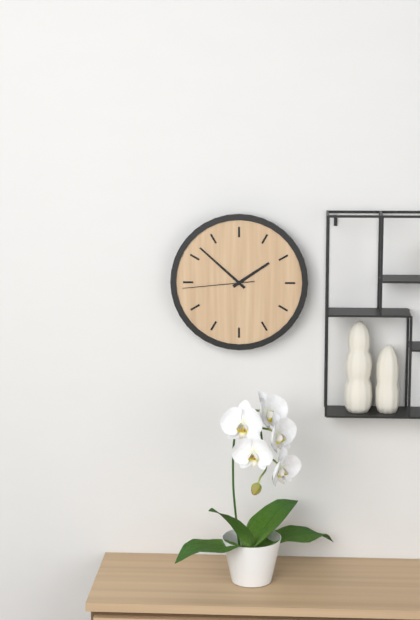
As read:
1:52:44
